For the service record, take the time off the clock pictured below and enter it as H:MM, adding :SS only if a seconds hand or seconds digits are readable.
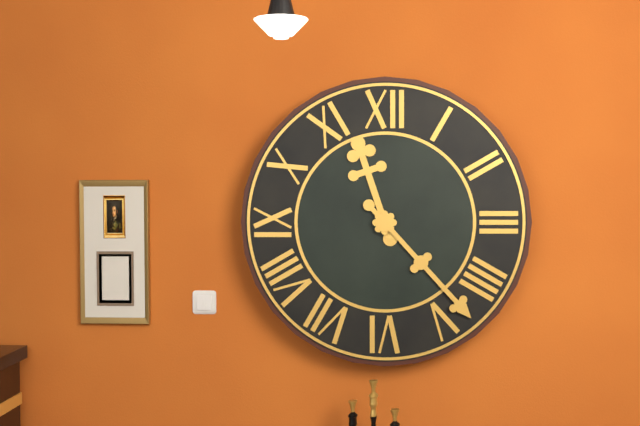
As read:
11:23
